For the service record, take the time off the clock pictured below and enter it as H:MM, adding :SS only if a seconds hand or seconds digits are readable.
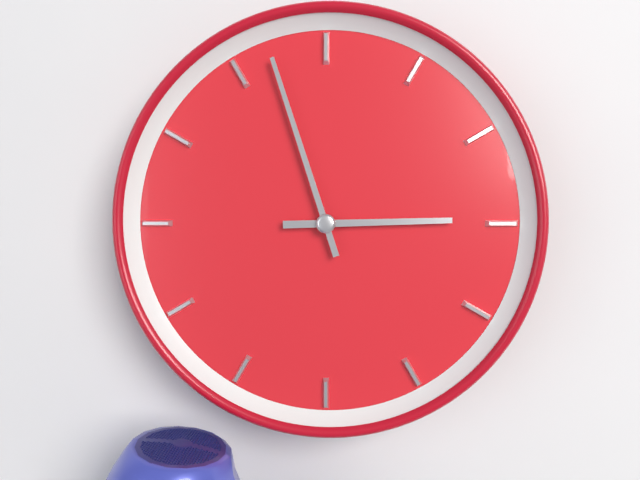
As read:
2:57
